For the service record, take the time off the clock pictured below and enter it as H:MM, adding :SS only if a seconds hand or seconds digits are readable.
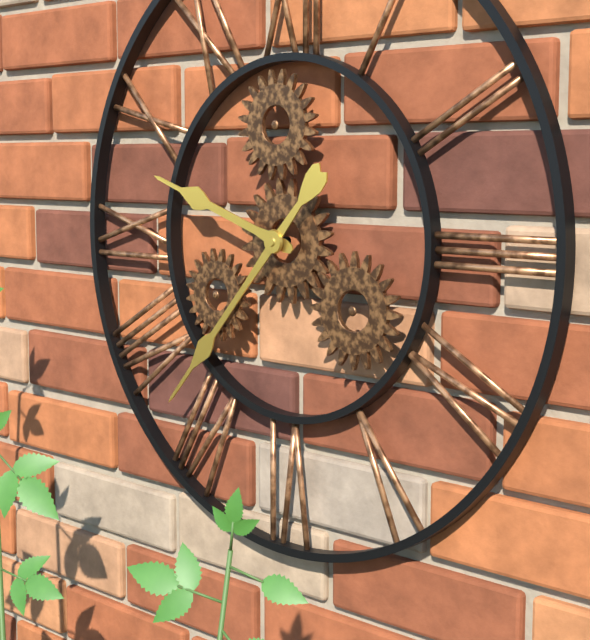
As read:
9:37
